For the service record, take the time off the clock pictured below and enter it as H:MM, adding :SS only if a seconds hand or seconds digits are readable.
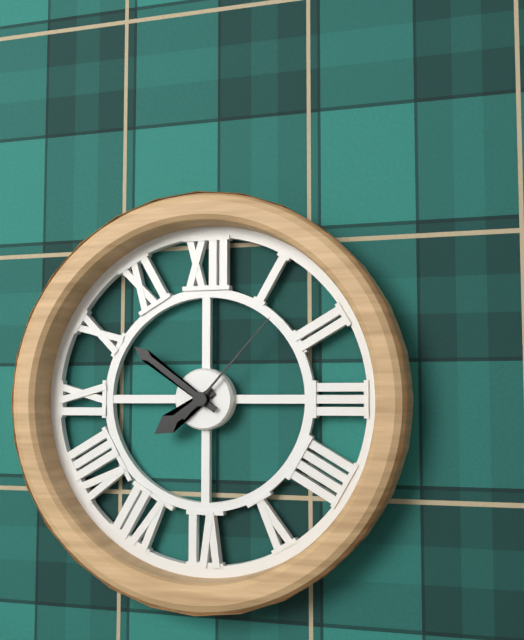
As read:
7:51:07
